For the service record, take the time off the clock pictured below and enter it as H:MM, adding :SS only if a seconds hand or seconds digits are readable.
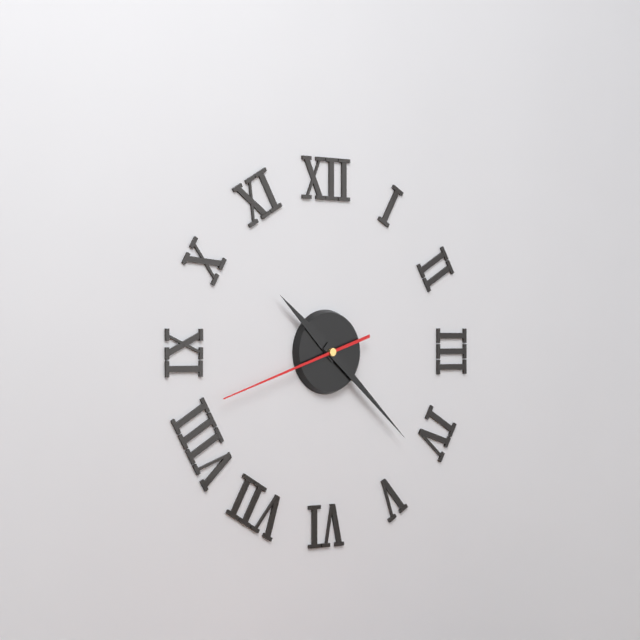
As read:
10:22:42
